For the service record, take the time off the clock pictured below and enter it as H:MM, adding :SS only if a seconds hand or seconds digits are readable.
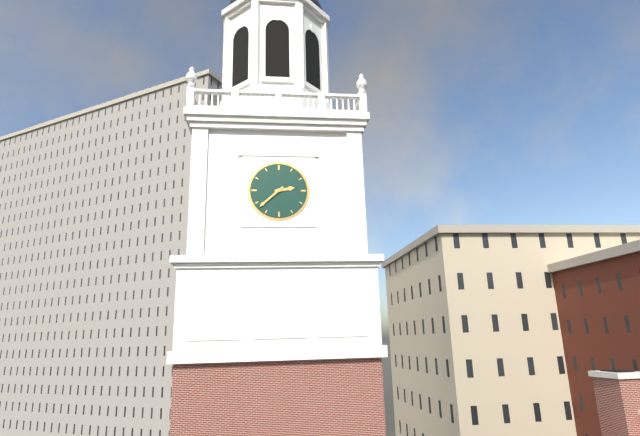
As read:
2:38
